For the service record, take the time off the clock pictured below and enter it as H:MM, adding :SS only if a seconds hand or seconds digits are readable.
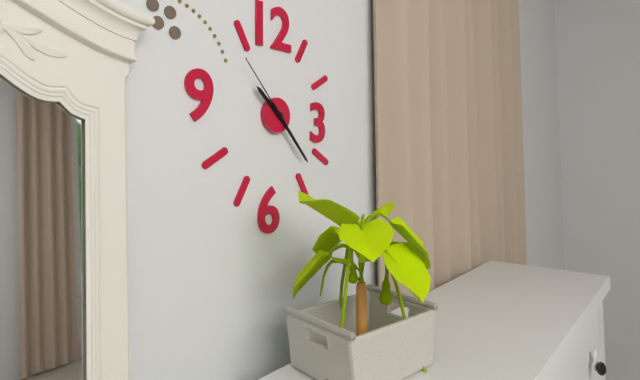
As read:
10:23:53
